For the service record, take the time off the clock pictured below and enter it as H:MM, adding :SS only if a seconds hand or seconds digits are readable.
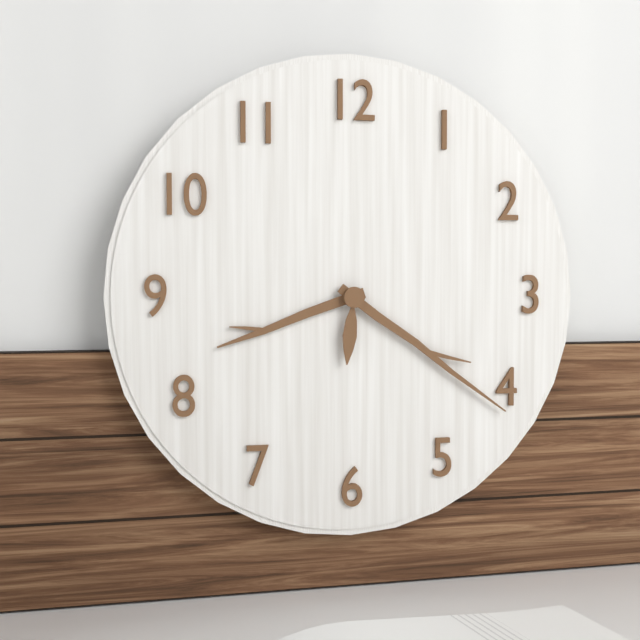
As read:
8:21:31
